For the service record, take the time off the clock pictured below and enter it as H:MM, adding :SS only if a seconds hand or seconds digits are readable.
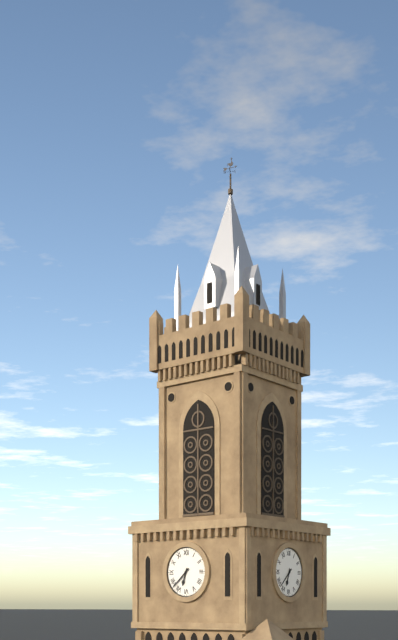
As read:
6:38
